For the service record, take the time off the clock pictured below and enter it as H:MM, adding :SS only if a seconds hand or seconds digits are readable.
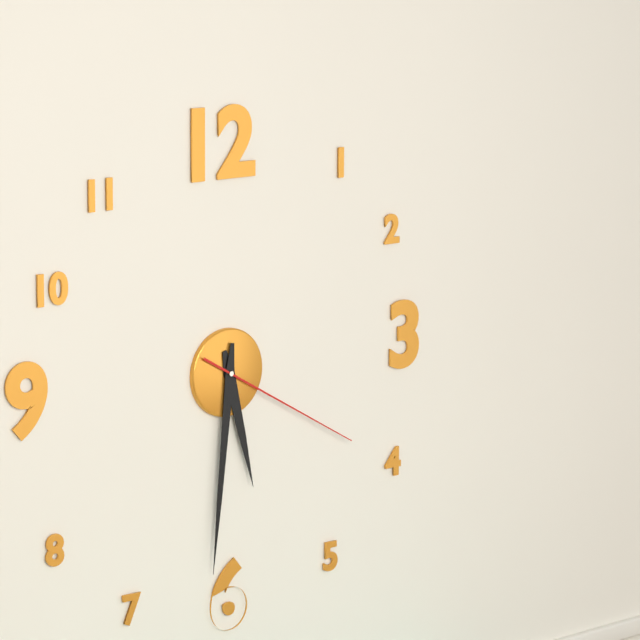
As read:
5:31:20
